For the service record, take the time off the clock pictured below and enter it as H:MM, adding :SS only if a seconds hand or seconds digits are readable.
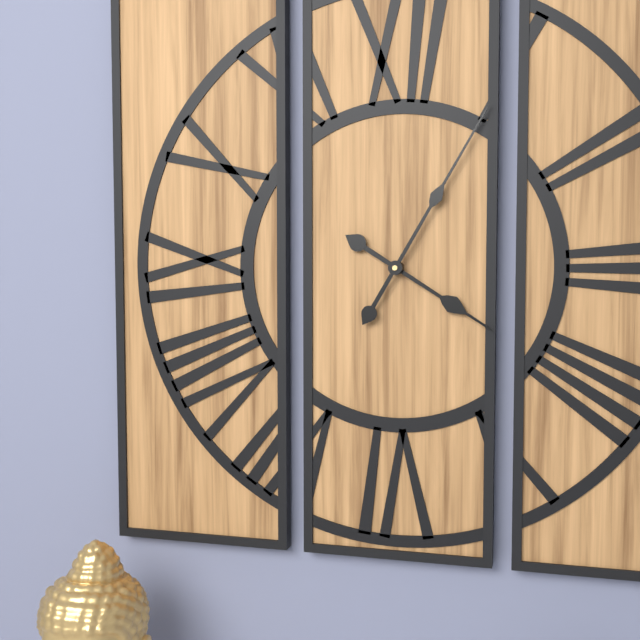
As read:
4:05
